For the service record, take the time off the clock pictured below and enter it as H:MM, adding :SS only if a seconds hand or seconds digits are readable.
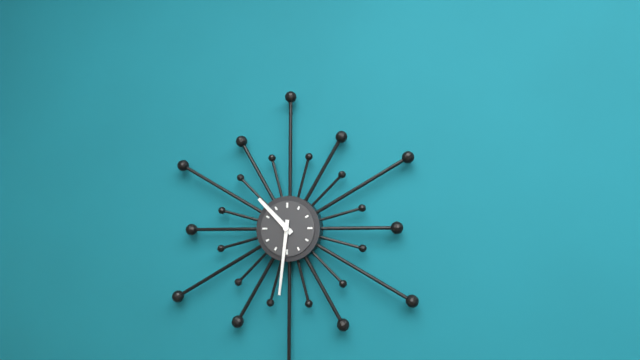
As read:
10:31
